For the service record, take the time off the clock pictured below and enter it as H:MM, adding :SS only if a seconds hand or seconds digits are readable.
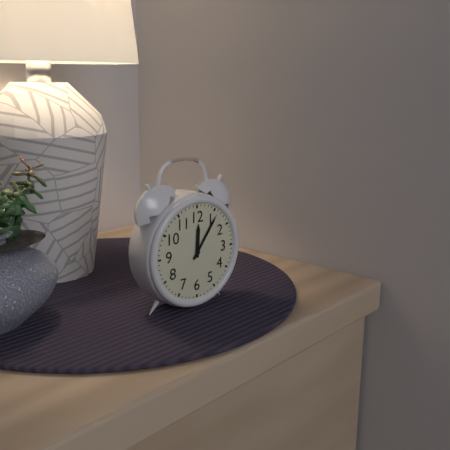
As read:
12:06
